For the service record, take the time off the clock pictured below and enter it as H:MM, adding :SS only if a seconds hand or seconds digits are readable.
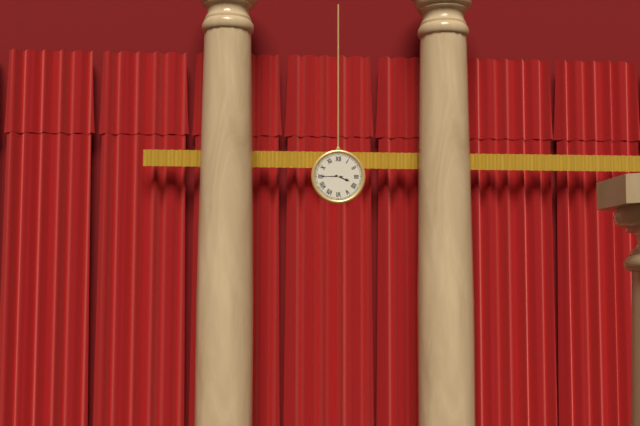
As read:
3:45
